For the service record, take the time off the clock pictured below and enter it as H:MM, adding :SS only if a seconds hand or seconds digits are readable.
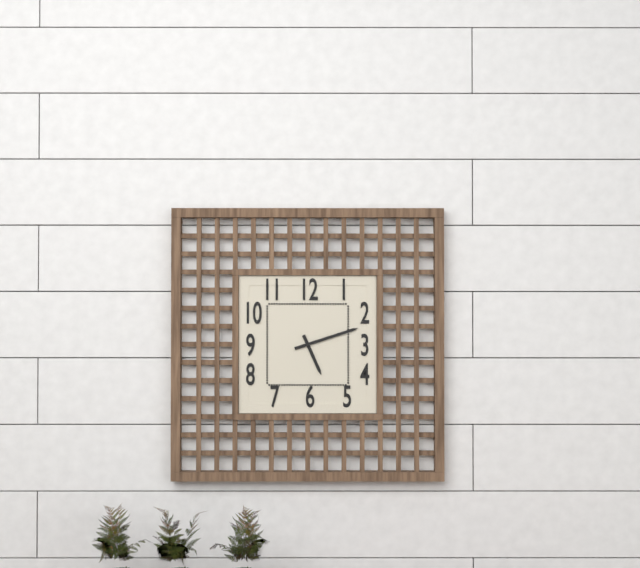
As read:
5:12
